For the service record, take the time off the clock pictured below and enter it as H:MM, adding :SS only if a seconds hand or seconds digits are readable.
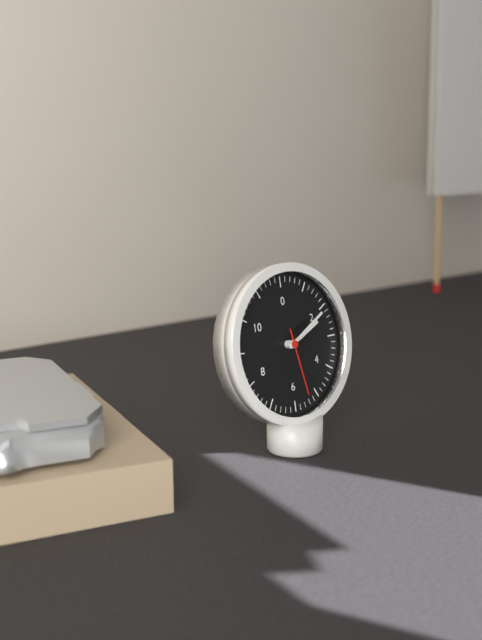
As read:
2:10:28
